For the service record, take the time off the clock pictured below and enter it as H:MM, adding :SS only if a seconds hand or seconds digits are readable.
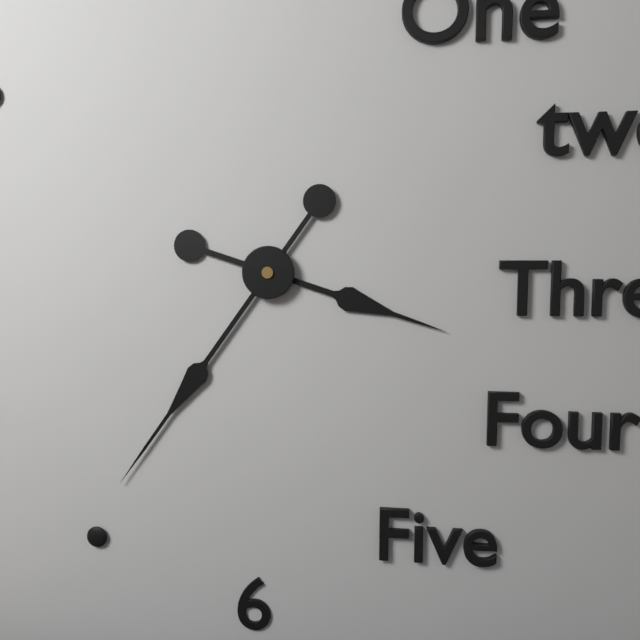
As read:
3:36
